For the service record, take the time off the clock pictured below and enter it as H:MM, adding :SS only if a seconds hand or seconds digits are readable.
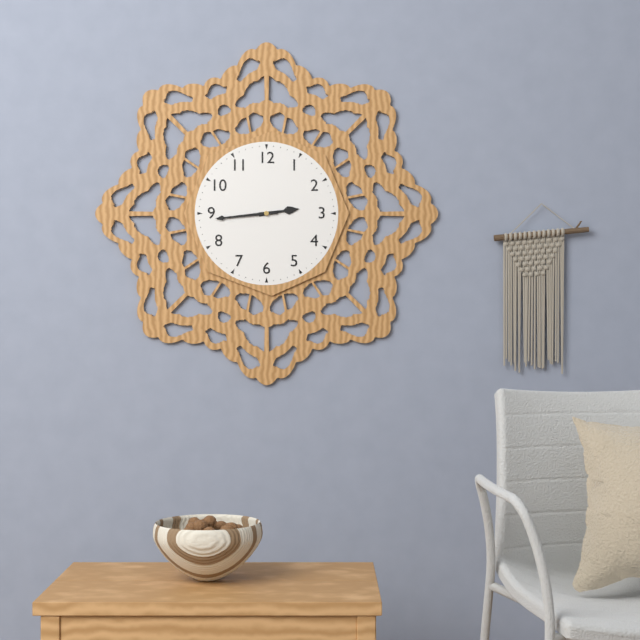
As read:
2:44
